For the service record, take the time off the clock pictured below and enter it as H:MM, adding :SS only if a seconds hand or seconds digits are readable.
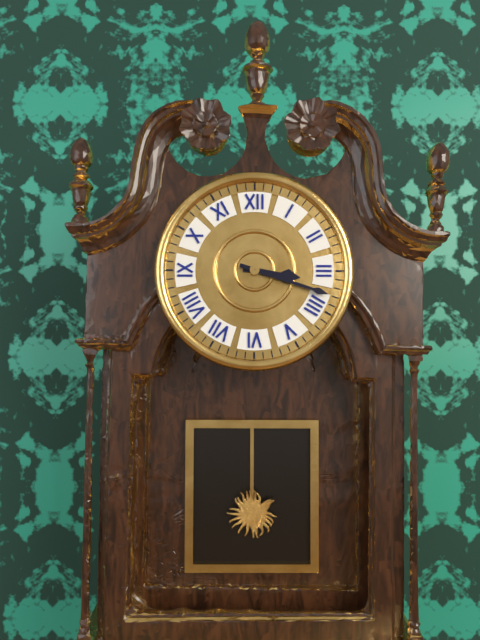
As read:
3:18
